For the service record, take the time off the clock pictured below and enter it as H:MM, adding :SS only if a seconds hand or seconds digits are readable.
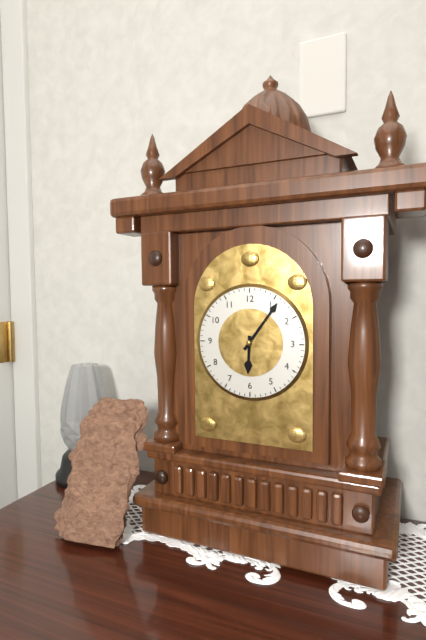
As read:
6:06
